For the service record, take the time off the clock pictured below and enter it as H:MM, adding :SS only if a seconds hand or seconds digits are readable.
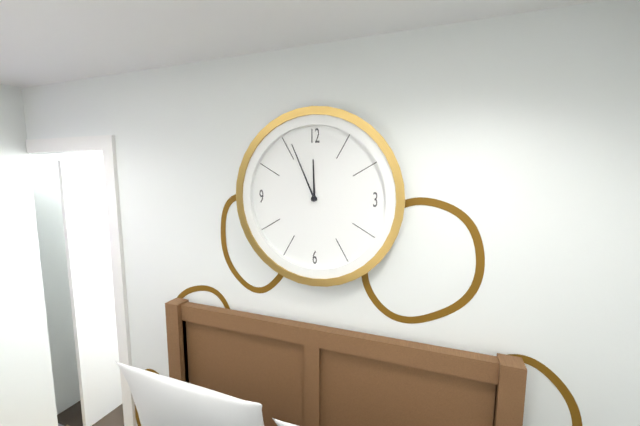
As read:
11:56
